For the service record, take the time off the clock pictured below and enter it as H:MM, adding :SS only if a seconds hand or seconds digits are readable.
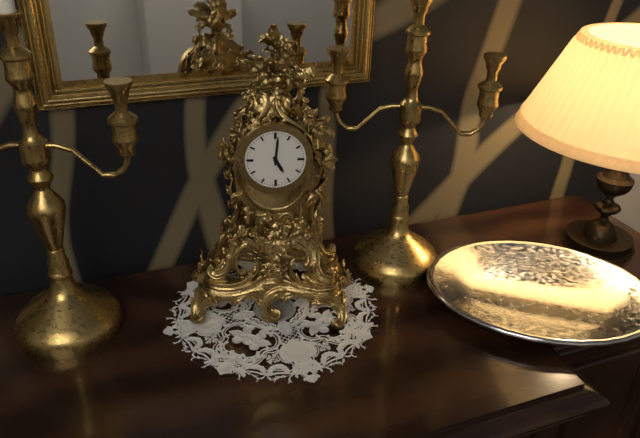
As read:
5:01
